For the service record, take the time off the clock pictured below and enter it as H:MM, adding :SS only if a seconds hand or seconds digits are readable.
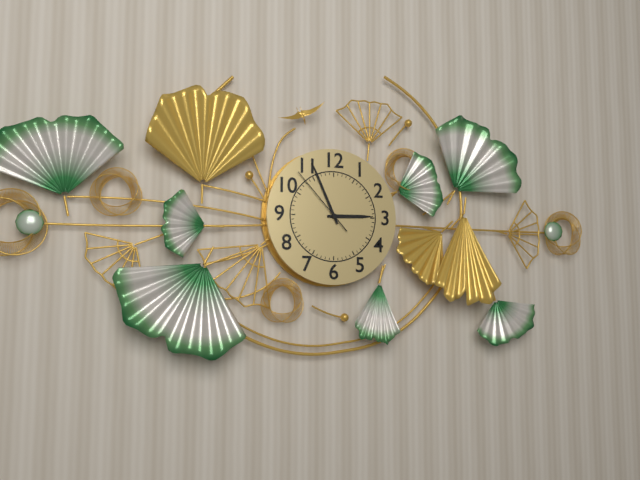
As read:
2:56:53
